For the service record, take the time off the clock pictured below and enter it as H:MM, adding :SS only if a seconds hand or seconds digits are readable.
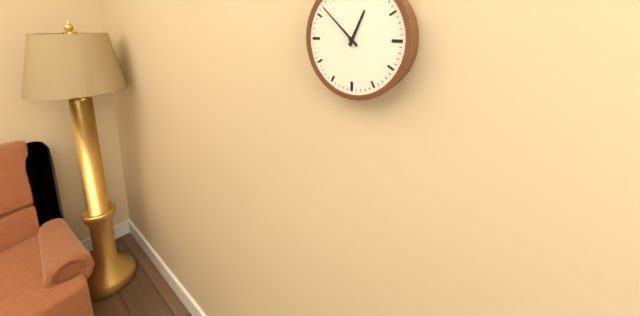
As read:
12:52
